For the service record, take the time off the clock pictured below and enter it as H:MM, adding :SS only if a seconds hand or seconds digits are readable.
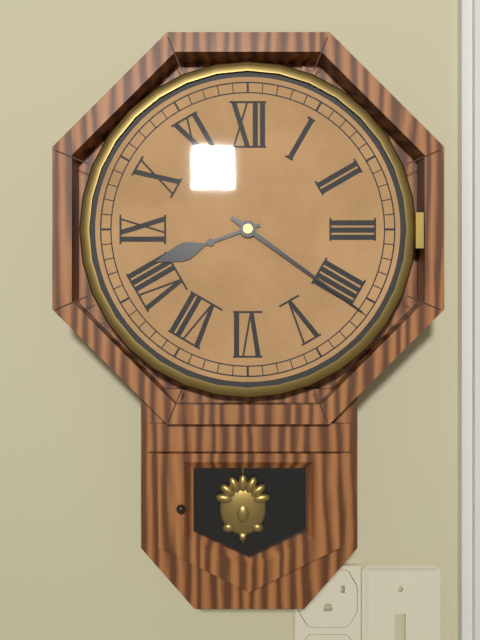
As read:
8:21
